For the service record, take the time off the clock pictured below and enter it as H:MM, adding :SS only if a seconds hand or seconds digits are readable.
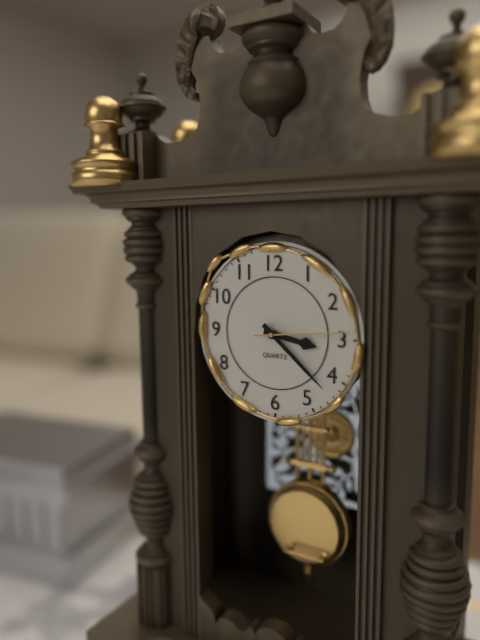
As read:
3:22:14
